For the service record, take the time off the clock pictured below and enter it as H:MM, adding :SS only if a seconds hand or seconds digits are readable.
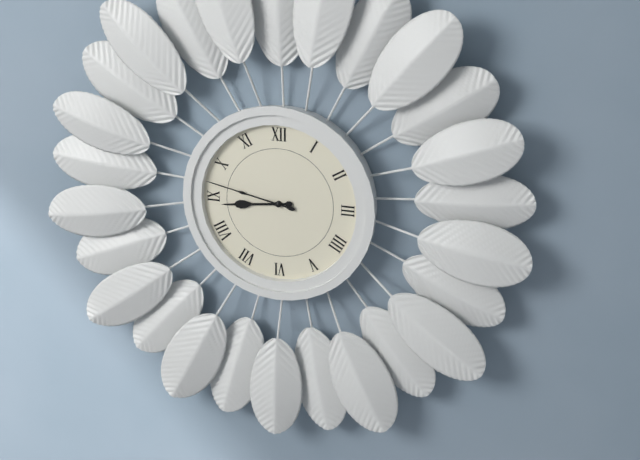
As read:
8:47
